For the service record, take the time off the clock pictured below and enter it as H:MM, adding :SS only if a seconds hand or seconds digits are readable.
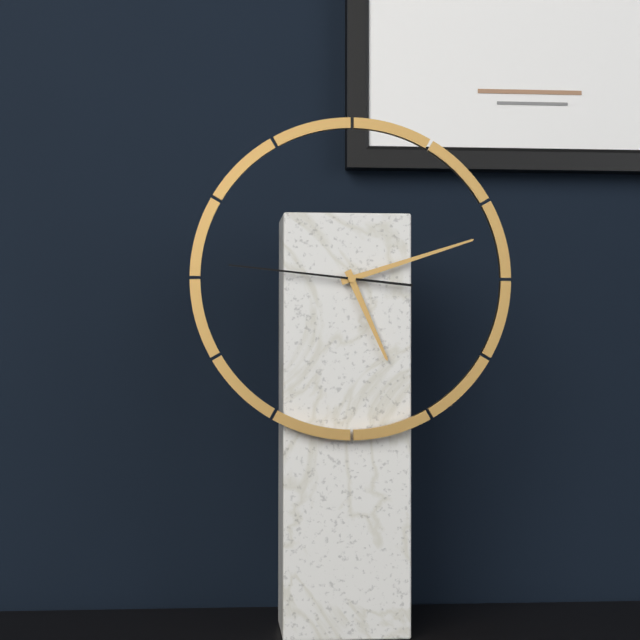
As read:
5:12:46
